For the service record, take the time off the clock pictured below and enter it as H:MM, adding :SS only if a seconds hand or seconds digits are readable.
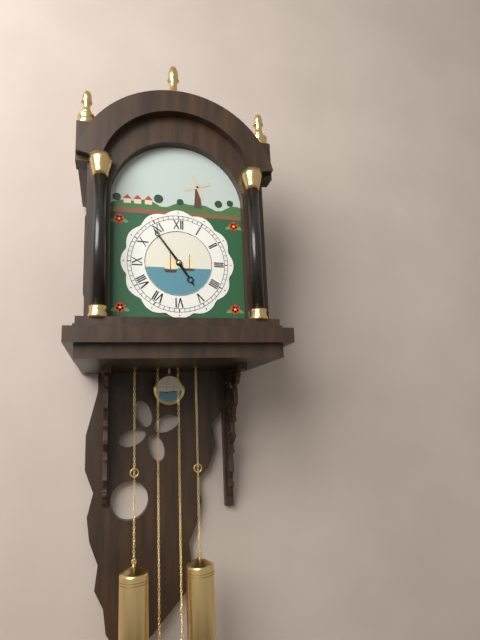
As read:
4:54
